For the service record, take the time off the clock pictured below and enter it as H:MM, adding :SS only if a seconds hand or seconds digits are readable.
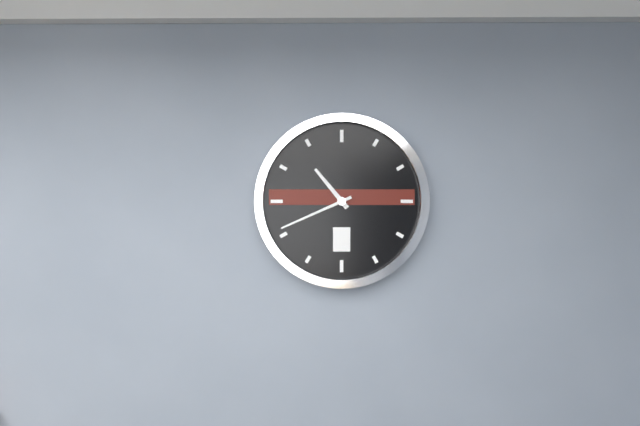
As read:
10:41
